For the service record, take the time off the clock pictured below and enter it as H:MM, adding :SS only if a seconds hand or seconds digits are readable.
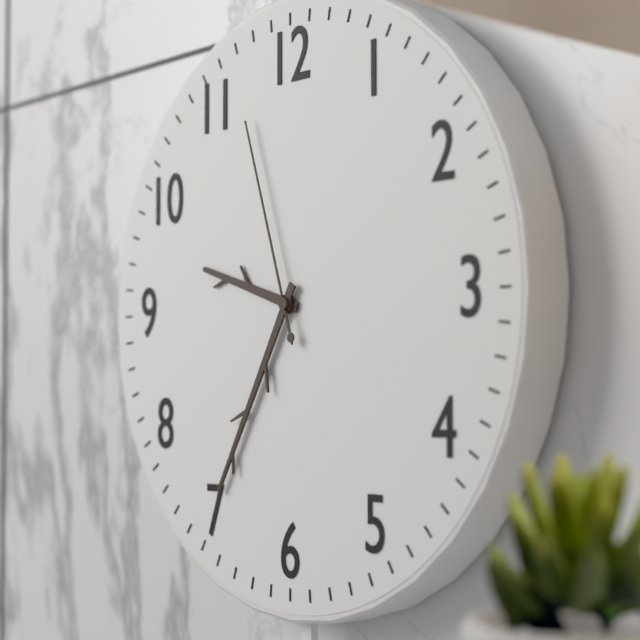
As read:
9:35:57
